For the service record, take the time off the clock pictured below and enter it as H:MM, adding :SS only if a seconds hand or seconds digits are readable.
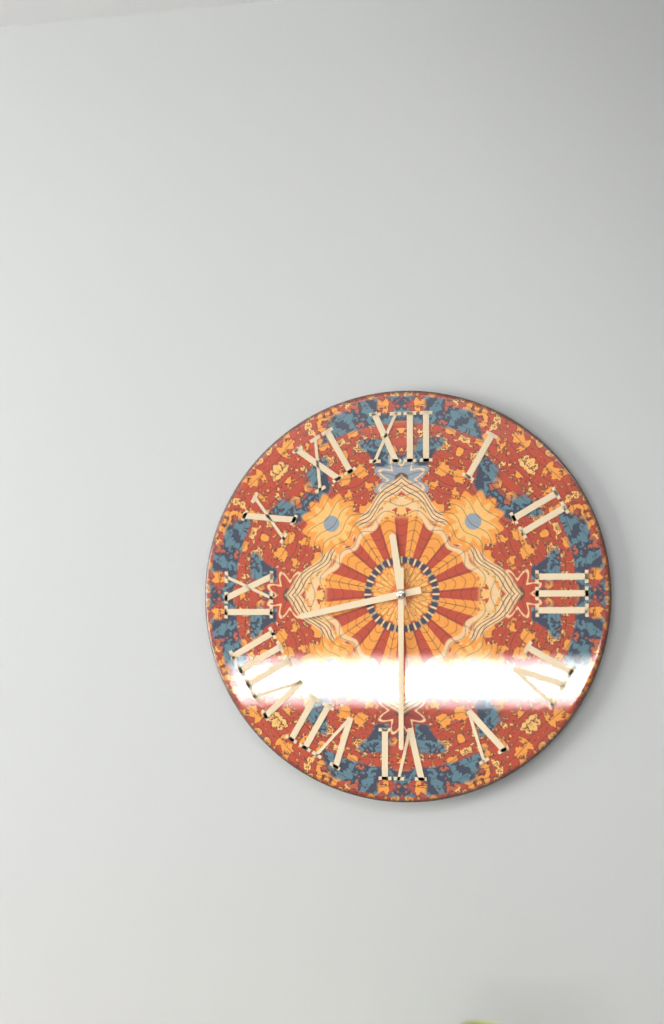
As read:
11:43:30
